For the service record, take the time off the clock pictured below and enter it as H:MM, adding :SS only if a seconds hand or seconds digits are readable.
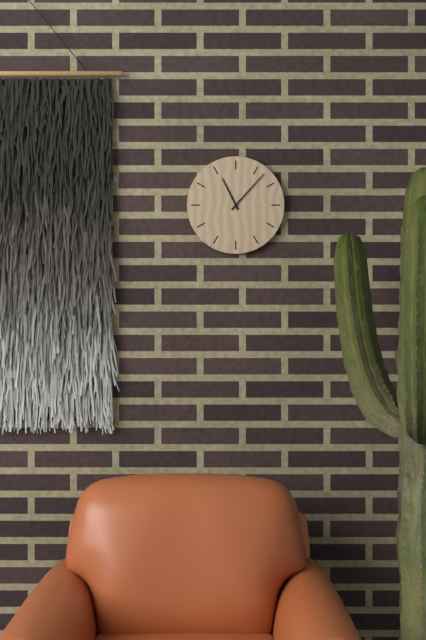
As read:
11:07
